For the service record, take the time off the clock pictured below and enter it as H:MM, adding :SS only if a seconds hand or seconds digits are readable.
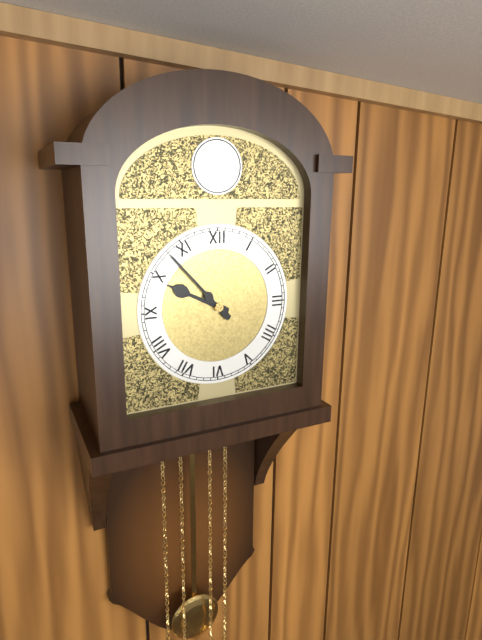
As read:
9:53
